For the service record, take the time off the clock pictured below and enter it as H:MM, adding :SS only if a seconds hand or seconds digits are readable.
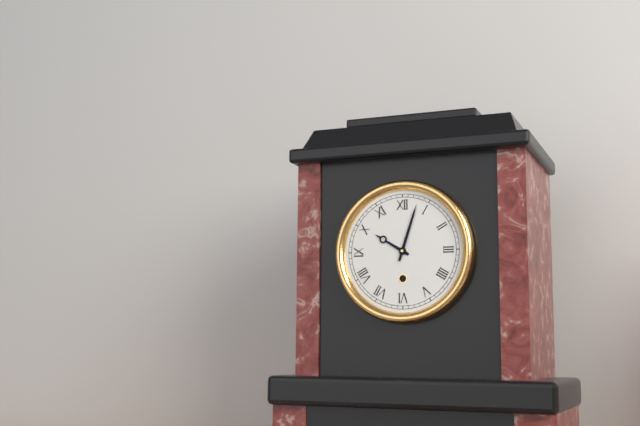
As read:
10:03
